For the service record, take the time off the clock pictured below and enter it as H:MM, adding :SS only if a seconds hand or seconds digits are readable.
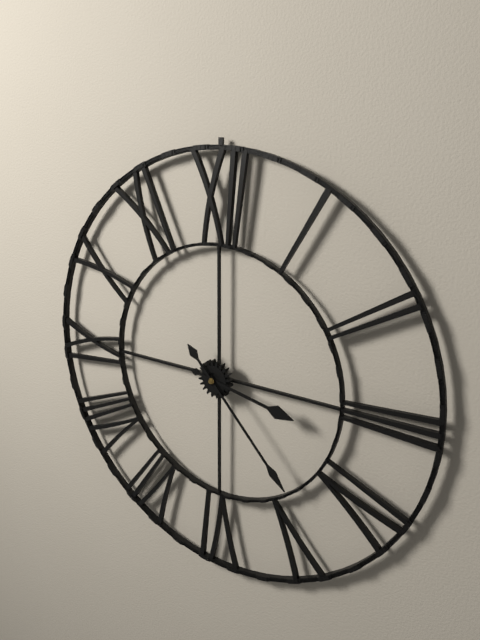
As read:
3:23
